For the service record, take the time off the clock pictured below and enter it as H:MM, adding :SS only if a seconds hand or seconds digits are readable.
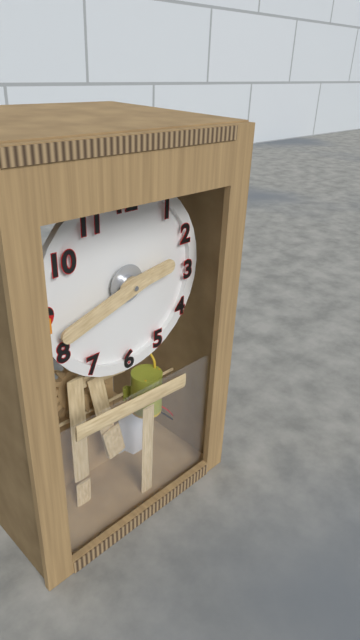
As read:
2:42
